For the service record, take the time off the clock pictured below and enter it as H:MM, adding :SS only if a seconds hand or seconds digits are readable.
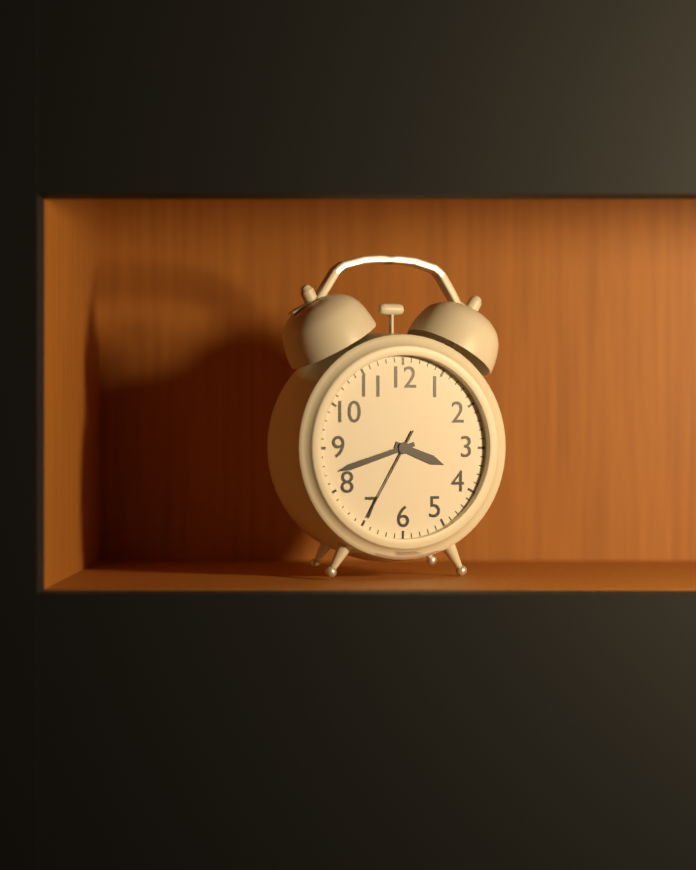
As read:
3:42:35
